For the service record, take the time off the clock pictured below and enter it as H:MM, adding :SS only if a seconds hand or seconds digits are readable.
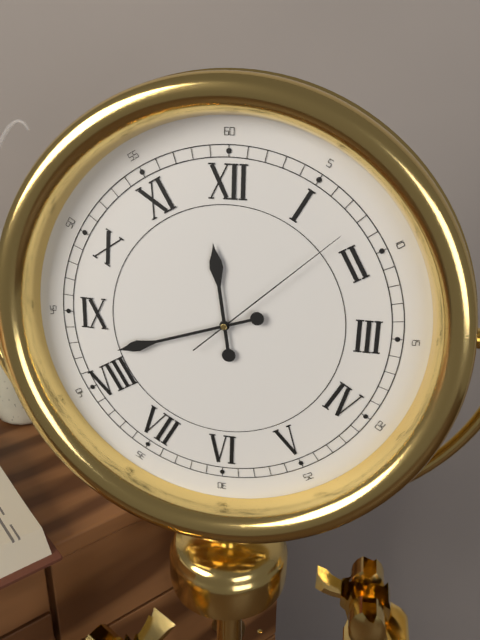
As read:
11:42:08
